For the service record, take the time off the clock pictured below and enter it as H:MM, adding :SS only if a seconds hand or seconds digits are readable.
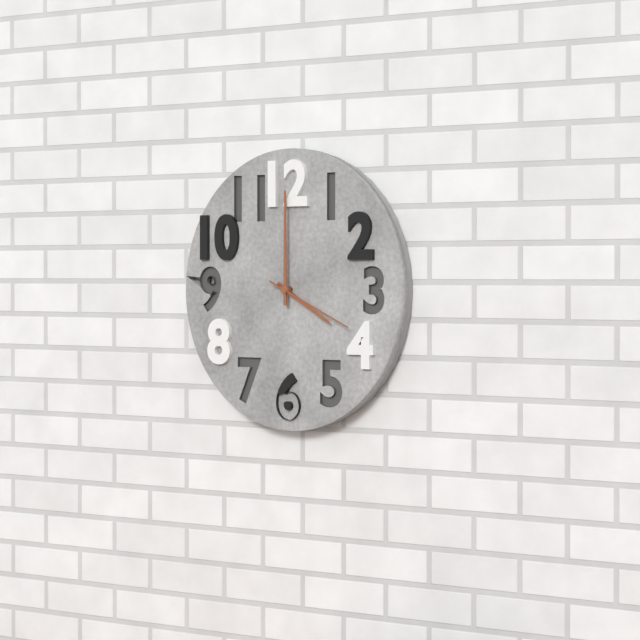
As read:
4:00:19
